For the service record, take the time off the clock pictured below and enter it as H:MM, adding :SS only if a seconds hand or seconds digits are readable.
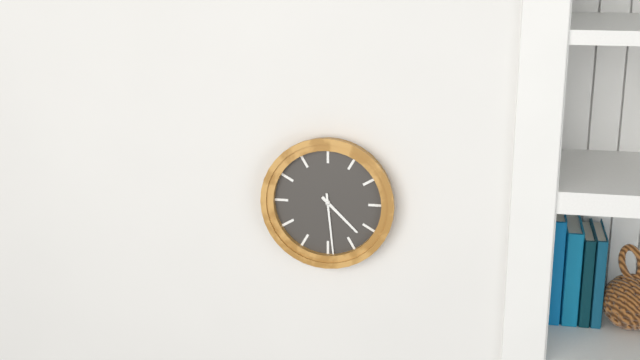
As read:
4:29
